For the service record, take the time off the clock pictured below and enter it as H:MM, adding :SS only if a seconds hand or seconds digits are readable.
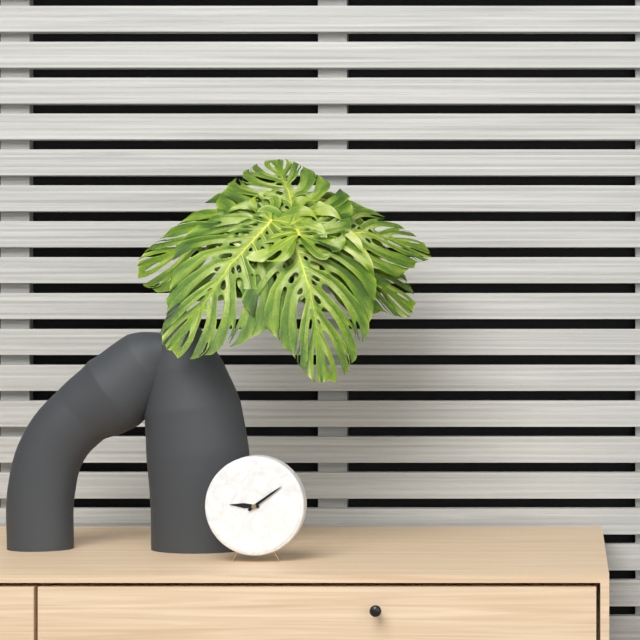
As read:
9:09
